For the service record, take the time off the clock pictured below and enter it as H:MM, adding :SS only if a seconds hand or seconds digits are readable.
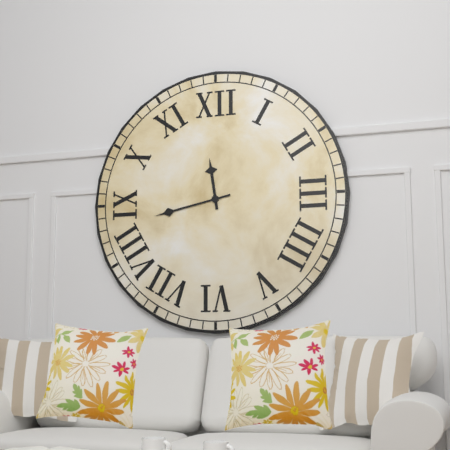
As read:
11:43
